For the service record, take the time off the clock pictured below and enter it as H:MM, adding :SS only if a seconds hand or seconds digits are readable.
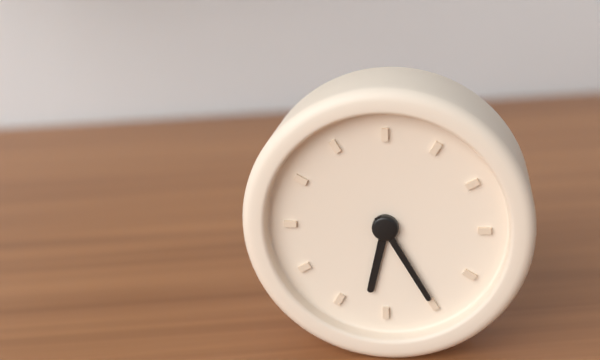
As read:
6:25
